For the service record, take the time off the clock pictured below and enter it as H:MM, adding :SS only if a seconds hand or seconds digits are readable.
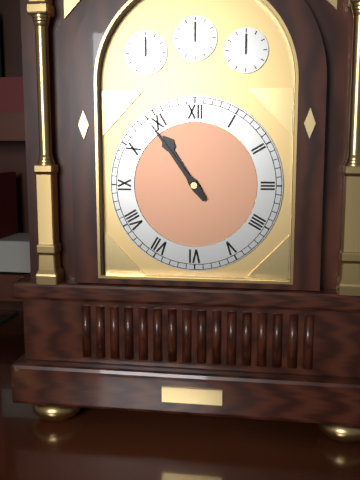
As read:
10:54
